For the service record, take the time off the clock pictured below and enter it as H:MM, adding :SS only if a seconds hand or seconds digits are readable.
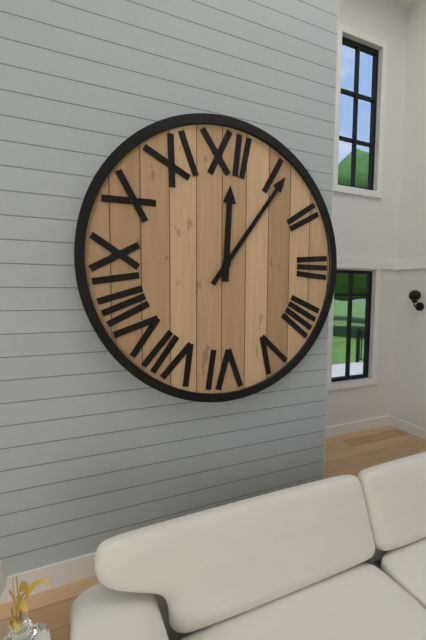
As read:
12:06
